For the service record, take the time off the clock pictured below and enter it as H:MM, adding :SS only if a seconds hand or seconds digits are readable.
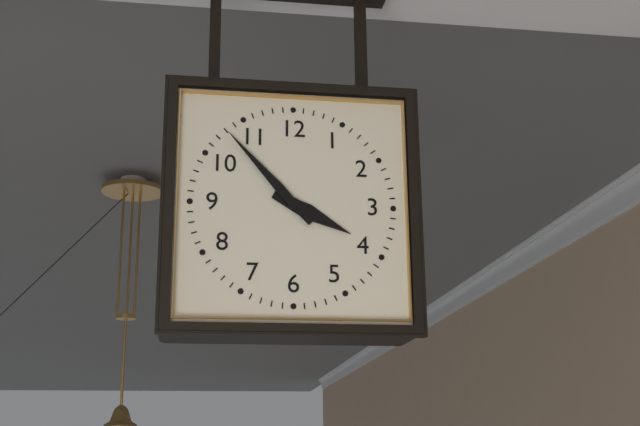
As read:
3:53
